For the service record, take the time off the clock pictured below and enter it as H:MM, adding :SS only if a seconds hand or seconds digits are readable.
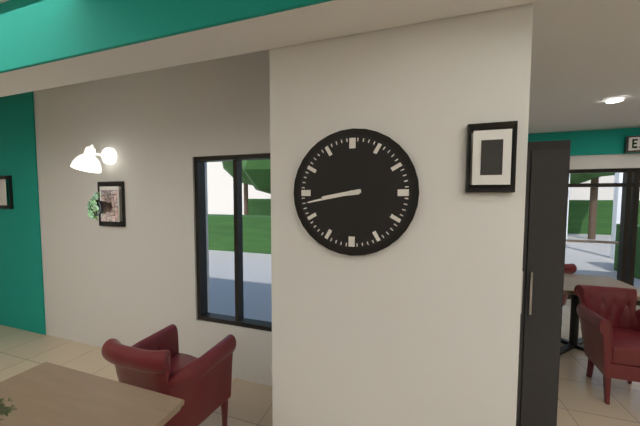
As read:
8:43
